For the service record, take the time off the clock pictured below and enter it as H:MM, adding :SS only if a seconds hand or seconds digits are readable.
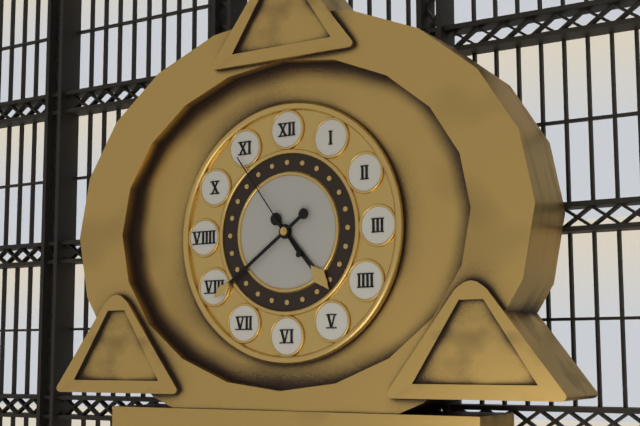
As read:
4:39:54
